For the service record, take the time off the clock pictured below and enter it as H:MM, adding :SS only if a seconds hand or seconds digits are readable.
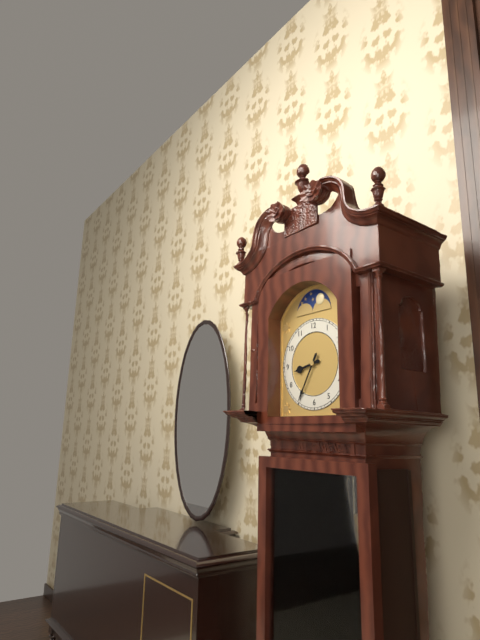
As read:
8:35
